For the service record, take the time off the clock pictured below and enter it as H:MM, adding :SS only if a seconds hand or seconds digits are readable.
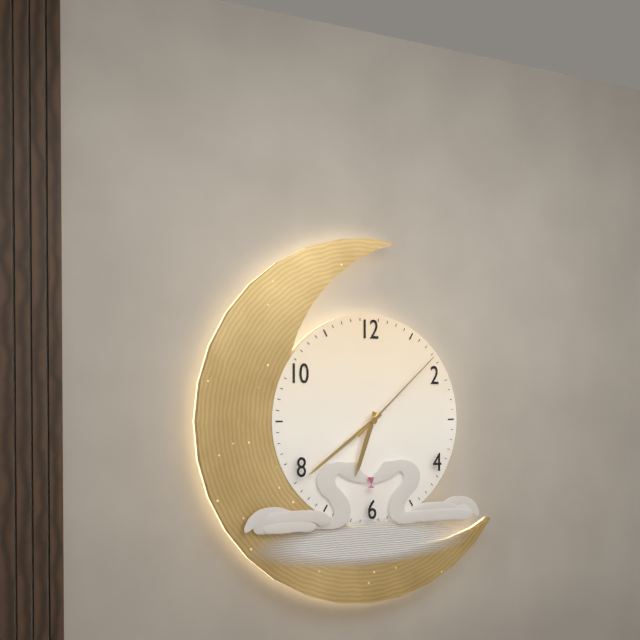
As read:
6:39:08
